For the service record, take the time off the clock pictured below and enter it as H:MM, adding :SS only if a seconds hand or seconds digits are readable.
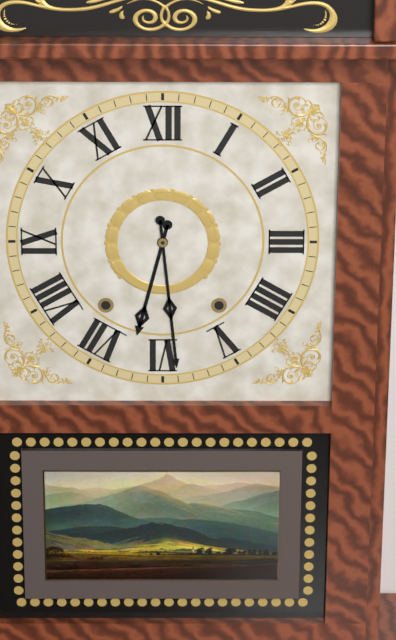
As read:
6:29
